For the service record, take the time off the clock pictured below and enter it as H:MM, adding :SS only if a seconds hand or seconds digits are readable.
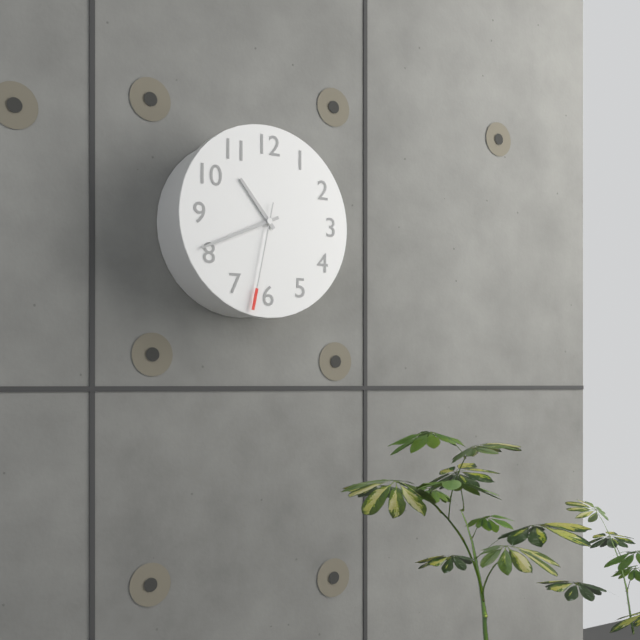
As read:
10:41:32
